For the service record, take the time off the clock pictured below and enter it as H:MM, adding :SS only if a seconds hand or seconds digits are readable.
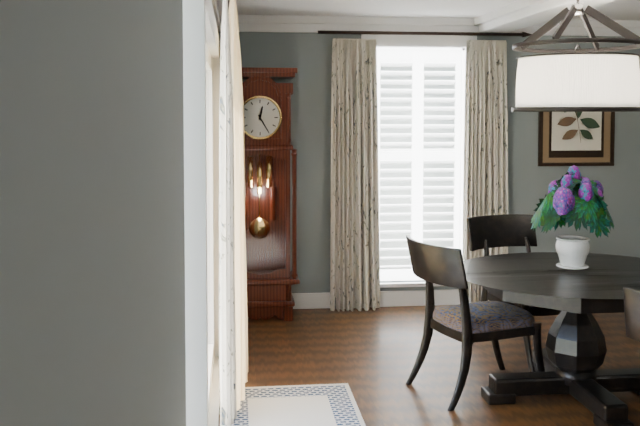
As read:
12:25
